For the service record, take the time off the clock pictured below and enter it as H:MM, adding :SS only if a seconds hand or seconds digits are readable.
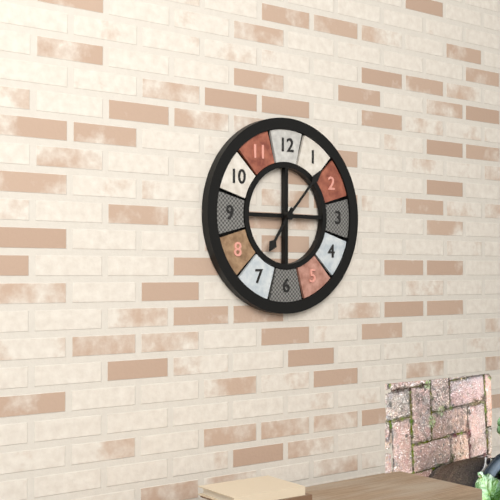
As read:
7:07
